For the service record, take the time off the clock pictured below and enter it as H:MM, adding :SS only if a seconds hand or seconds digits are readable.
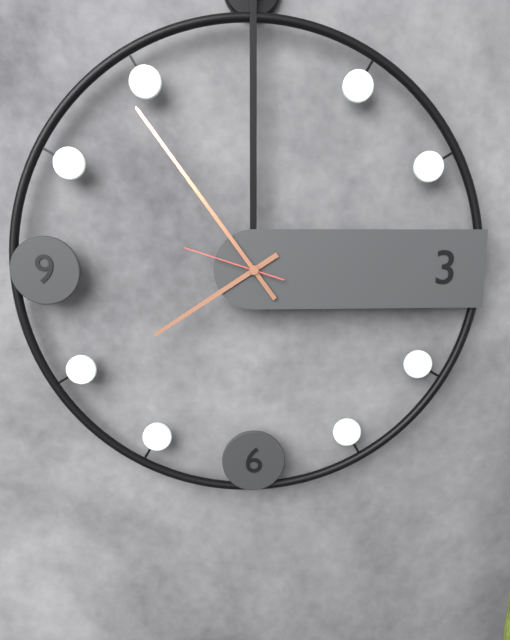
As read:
7:54:48
